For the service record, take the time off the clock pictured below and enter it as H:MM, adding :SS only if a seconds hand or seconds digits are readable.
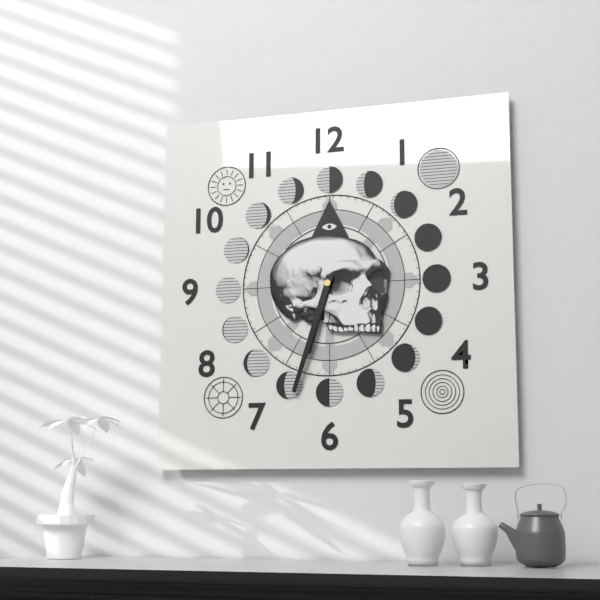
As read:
6:33
